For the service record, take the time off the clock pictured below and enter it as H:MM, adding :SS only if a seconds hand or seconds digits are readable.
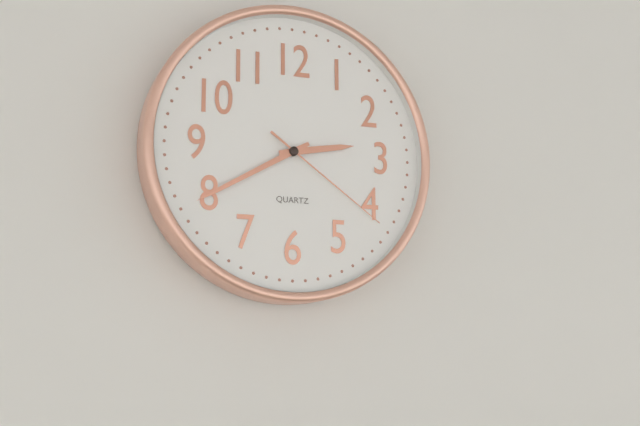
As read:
2:40:21
